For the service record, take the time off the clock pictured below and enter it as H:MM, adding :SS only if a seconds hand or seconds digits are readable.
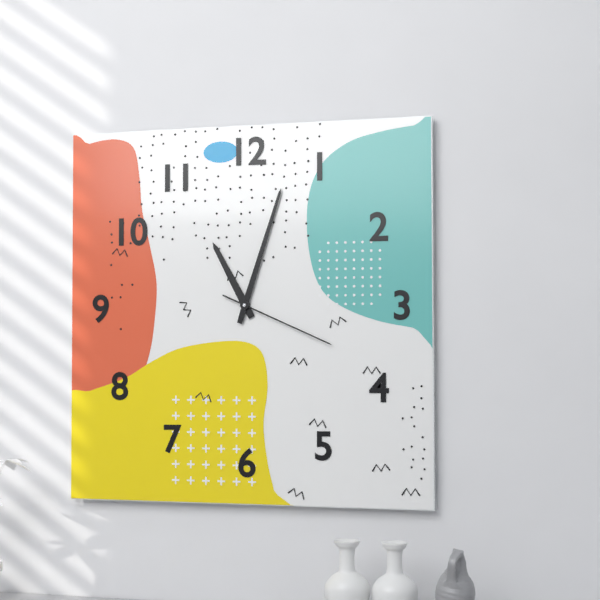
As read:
11:03:19
